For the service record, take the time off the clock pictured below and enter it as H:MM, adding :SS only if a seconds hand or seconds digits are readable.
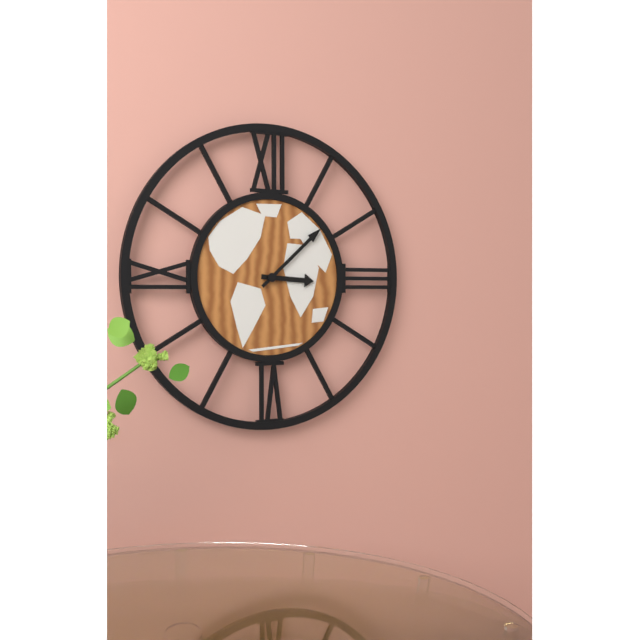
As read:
3:08
